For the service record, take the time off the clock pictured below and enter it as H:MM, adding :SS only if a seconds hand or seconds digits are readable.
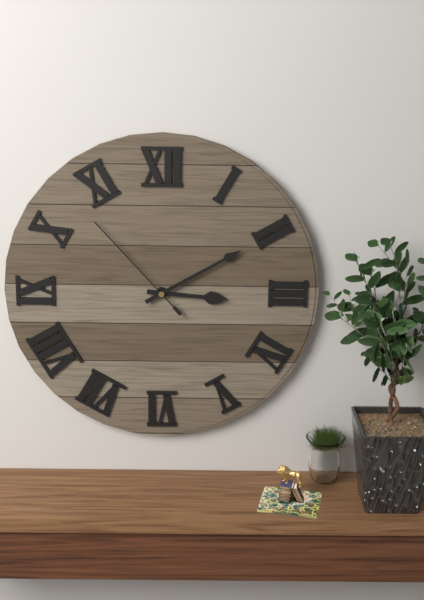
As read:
3:10:53
